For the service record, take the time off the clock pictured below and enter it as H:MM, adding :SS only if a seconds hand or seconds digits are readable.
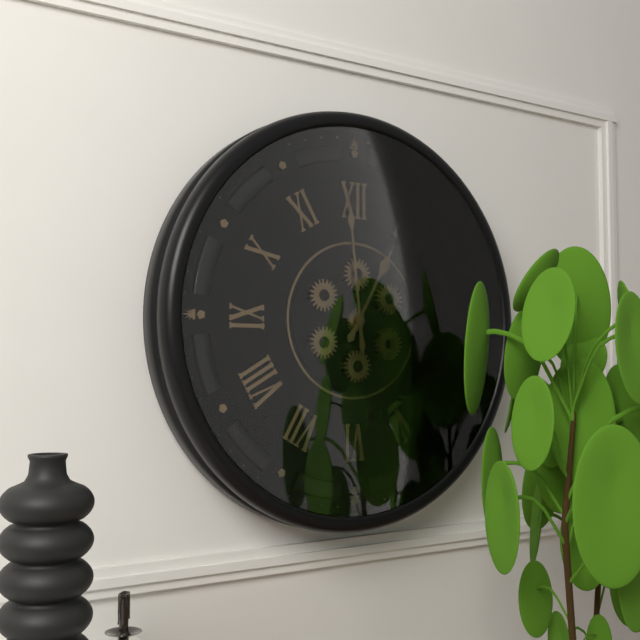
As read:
12:59
